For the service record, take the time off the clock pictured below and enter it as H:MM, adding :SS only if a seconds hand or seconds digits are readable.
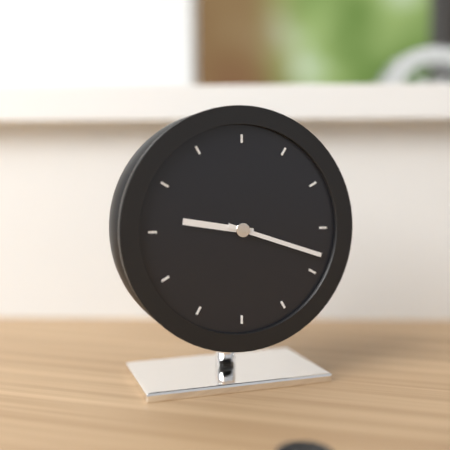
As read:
9:18
